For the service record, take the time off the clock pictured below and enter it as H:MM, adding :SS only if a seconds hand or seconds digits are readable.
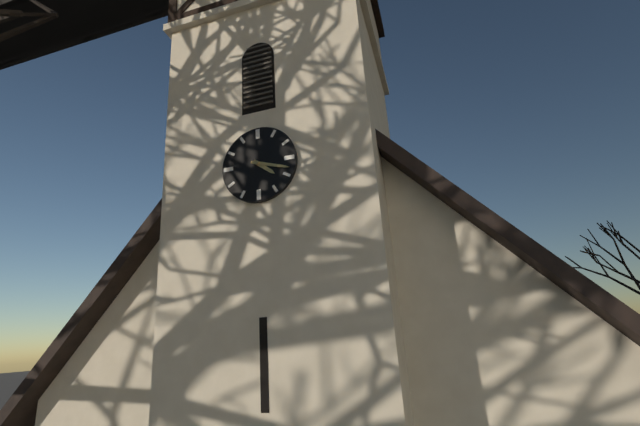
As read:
4:18
